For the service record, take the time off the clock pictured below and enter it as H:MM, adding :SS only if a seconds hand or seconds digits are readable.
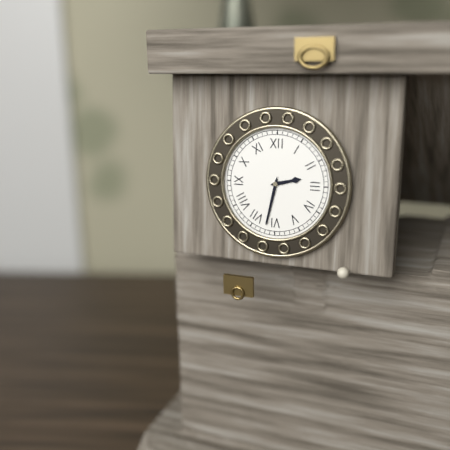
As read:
2:32
